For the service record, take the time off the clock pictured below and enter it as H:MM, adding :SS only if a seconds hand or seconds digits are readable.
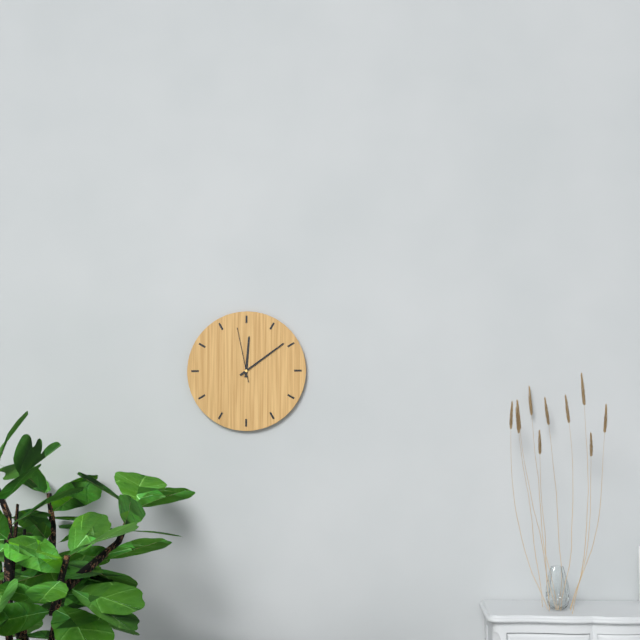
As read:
12:09:58
